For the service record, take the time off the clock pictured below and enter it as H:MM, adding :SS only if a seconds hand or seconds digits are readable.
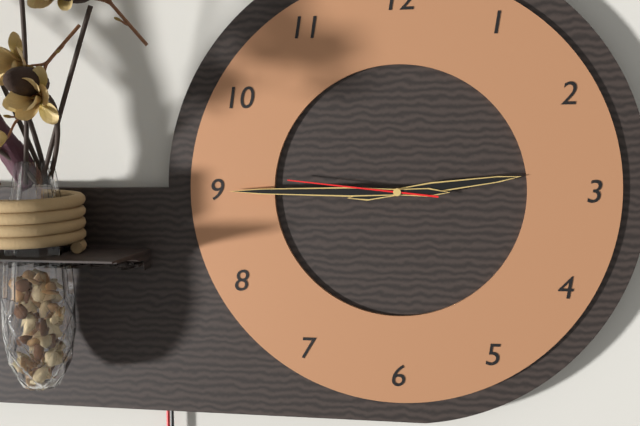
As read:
2:45:46
